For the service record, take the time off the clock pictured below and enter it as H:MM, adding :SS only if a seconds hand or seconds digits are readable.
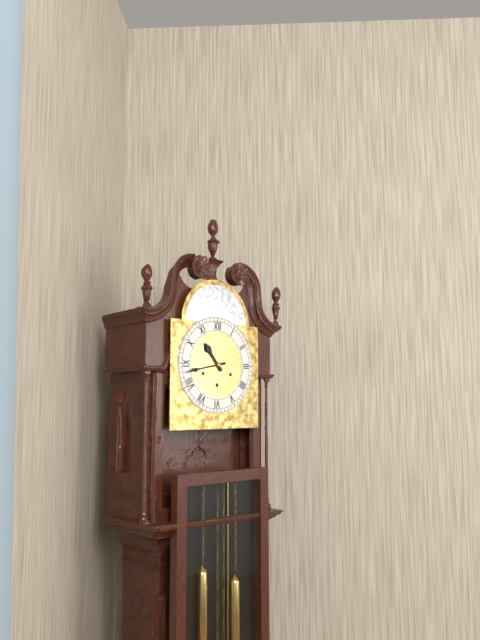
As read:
10:43
